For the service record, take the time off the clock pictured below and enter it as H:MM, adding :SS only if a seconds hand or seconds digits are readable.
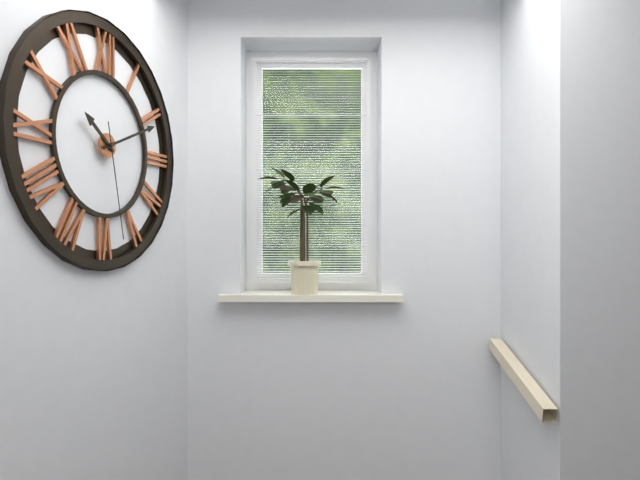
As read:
10:11:28
